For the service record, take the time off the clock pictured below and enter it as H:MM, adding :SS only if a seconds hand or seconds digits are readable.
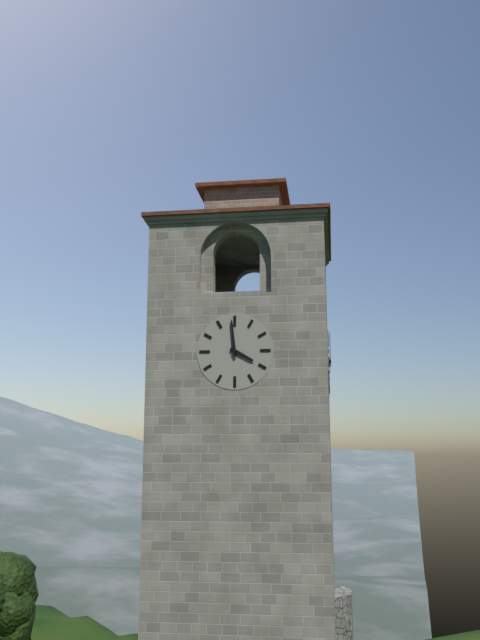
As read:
3:59
